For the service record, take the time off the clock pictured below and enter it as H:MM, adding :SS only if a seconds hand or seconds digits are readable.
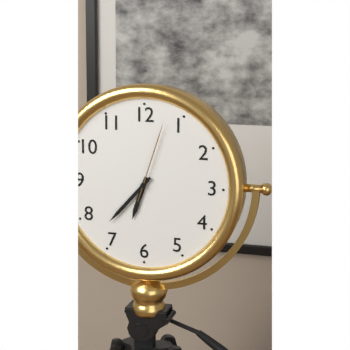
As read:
6:37:03
